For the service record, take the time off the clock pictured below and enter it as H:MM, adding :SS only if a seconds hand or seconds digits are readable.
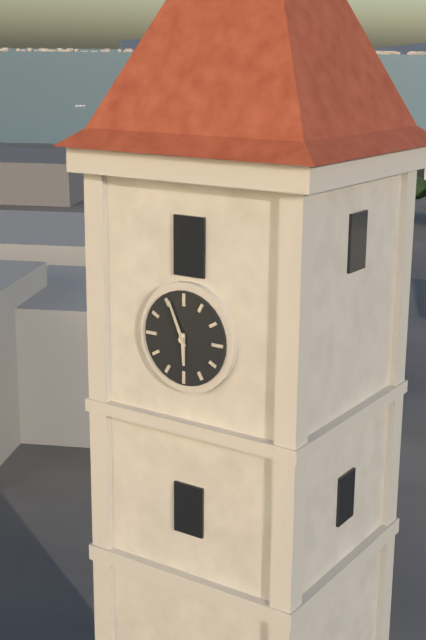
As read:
5:56
